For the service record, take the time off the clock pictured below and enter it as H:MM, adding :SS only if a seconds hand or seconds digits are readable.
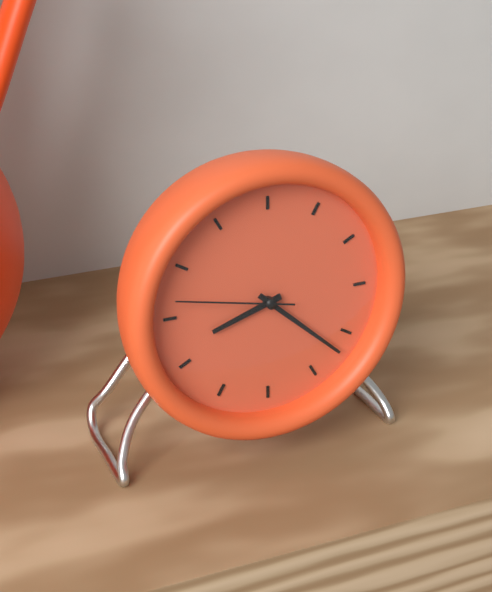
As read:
8:22:47
